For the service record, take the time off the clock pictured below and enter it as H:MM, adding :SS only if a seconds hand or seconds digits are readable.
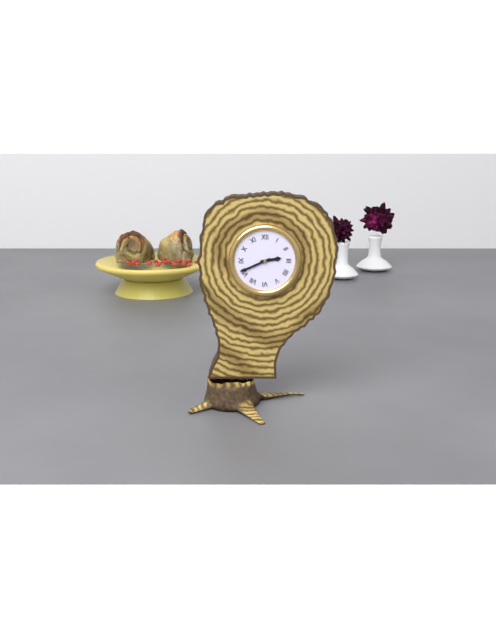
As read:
2:41
